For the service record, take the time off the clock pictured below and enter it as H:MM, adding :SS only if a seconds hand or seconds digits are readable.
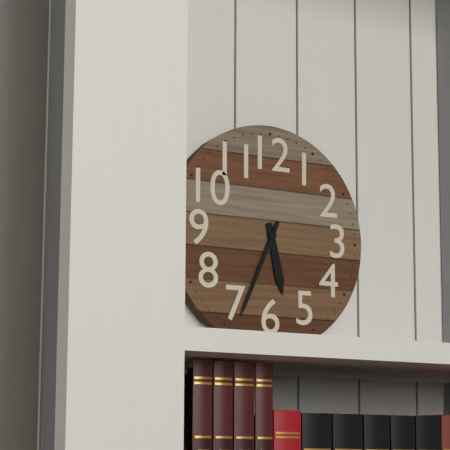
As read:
5:34
